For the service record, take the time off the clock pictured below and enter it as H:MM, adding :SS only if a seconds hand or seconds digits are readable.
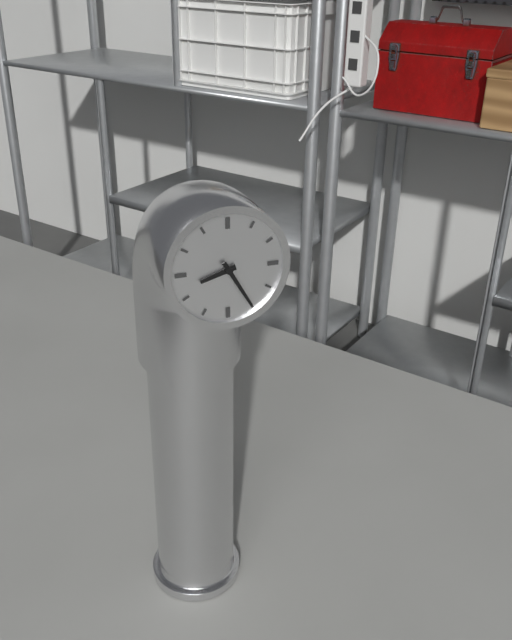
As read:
8:25
